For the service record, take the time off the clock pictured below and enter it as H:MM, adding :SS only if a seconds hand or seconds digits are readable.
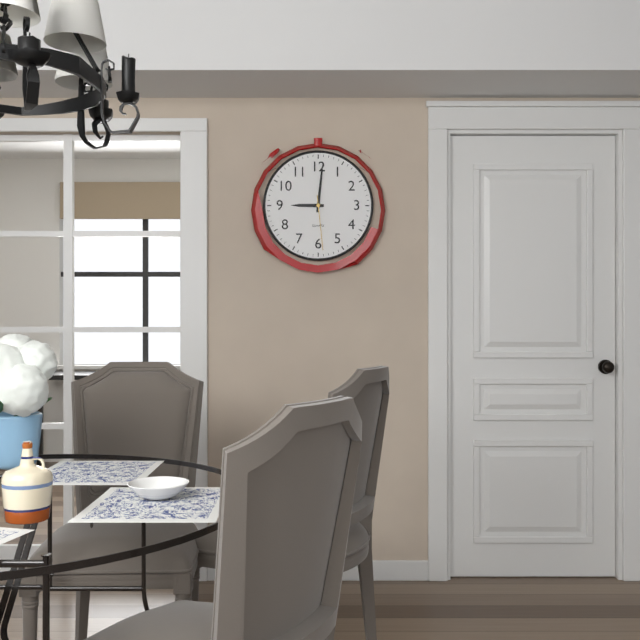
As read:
9:01:29
